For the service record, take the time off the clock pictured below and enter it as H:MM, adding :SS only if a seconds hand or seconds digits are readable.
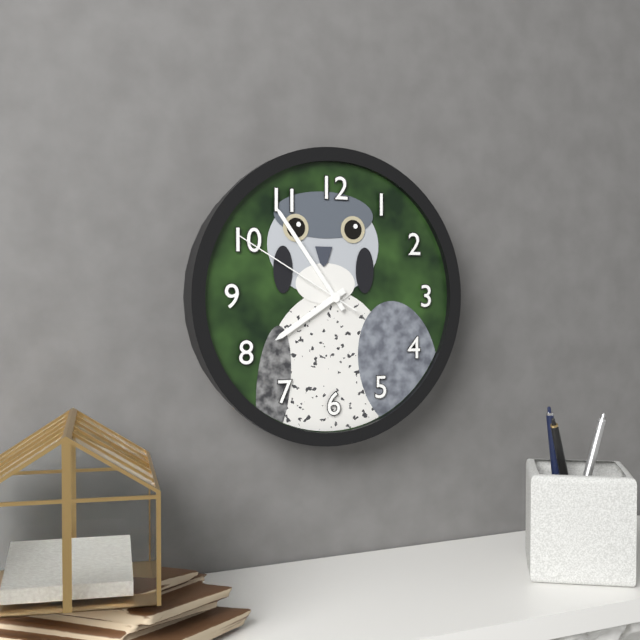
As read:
7:54:50
